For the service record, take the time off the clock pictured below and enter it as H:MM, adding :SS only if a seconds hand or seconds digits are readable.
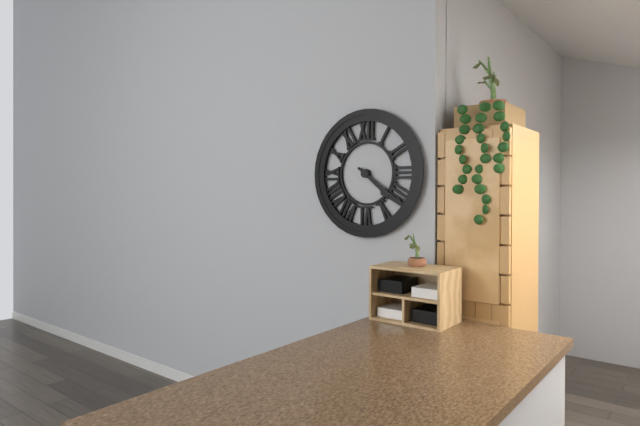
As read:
4:21
